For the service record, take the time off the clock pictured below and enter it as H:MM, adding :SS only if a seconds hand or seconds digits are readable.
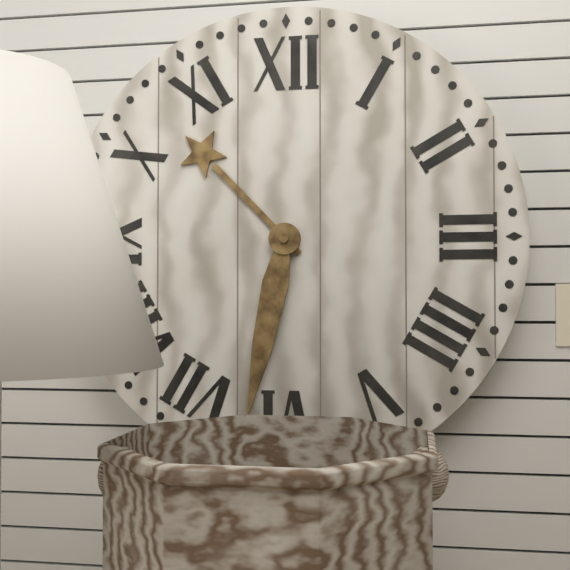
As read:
10:32
